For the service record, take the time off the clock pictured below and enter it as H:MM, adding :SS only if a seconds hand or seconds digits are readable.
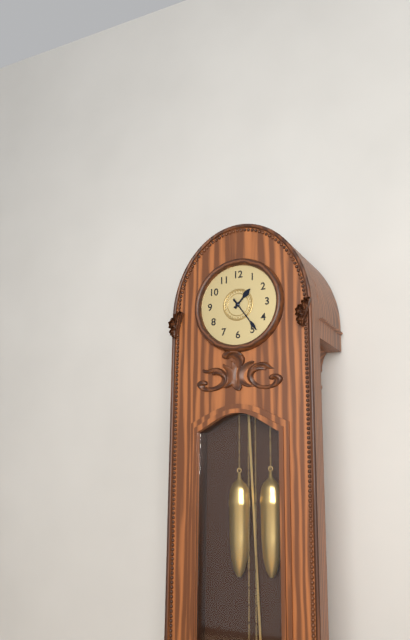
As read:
1:24
